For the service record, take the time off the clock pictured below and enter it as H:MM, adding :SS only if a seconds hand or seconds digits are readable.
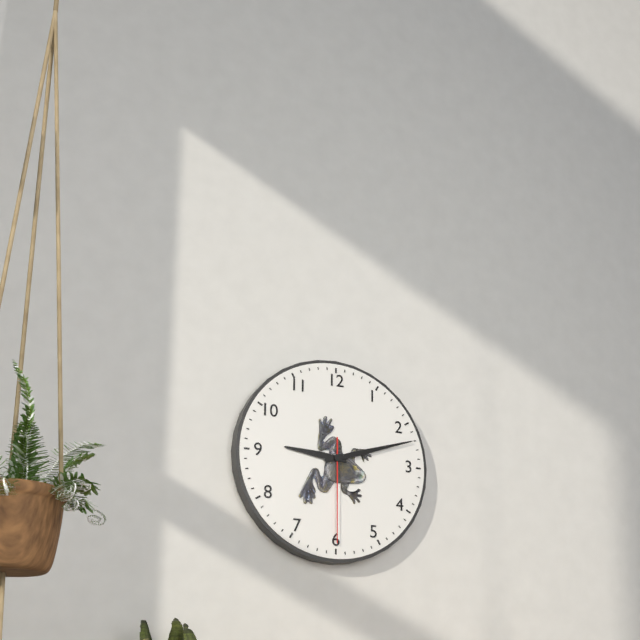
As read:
9:12:30
